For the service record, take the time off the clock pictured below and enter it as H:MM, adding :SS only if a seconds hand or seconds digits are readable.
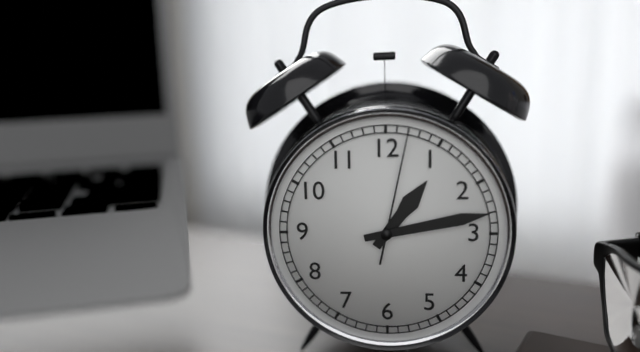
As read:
1:13:02
